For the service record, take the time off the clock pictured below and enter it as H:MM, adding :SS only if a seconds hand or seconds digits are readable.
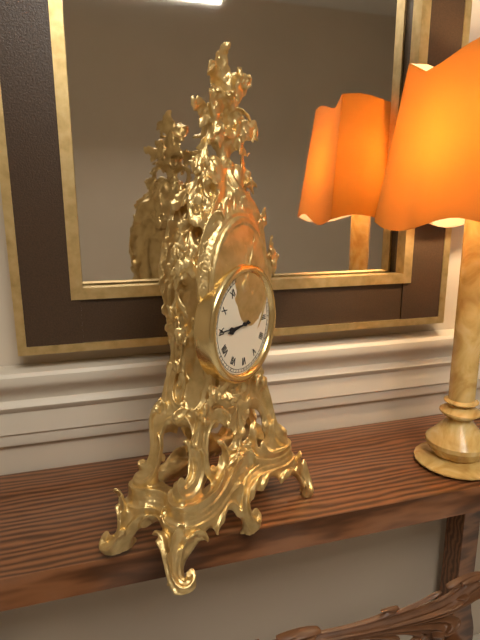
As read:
8:45
